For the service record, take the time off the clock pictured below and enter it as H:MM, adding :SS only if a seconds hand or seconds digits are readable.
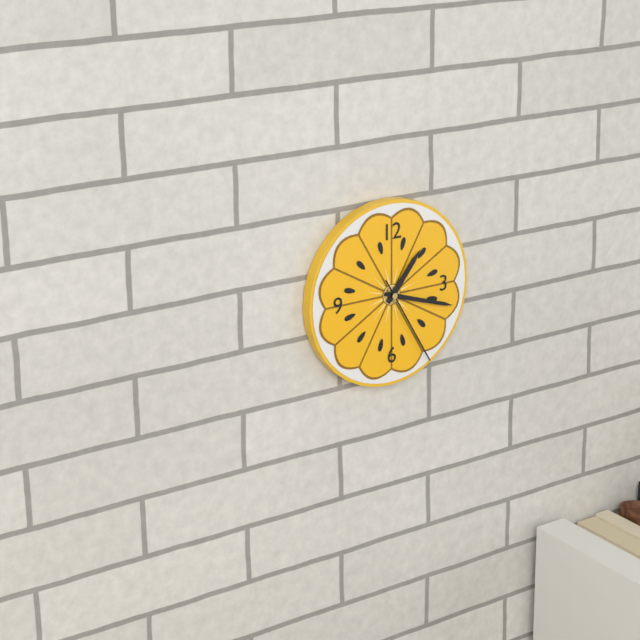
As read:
1:18:25
